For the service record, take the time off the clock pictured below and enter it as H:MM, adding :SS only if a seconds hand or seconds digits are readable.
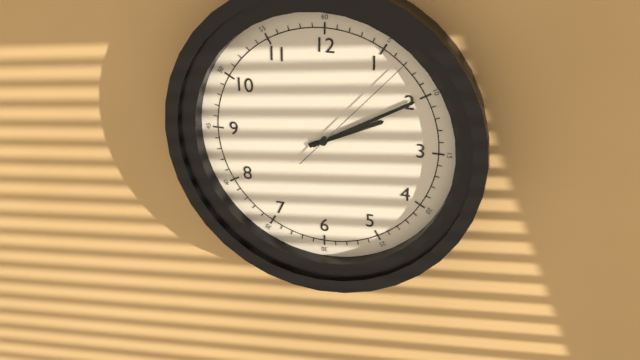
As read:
2:10:07
